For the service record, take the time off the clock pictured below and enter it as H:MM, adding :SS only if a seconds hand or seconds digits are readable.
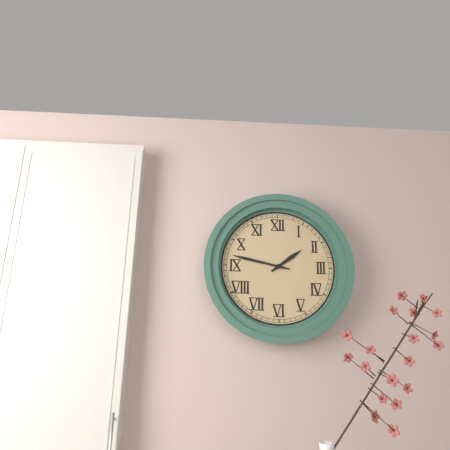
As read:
1:47
